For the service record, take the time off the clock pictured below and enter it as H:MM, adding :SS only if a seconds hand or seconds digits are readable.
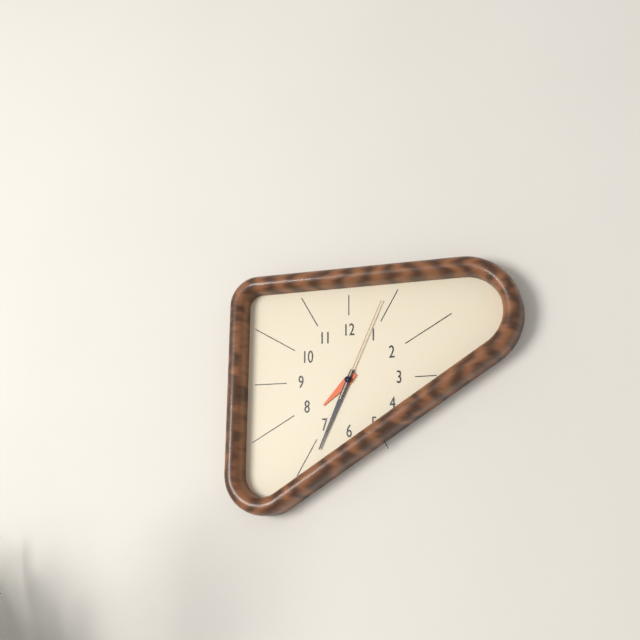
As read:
7:34:04
